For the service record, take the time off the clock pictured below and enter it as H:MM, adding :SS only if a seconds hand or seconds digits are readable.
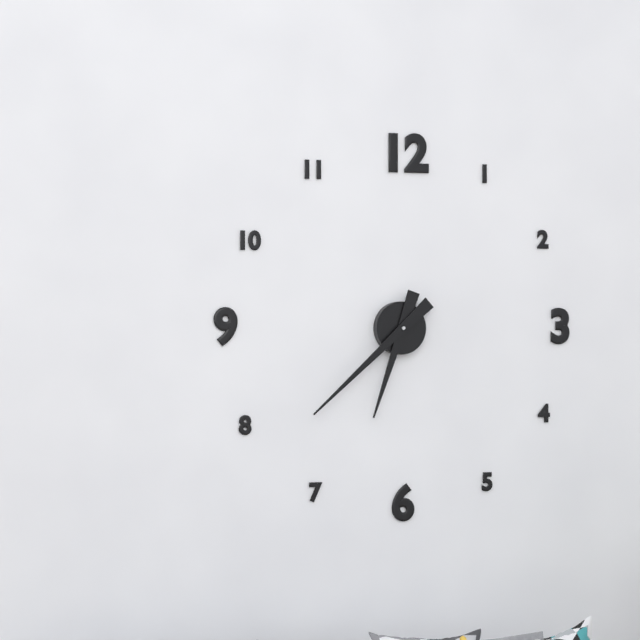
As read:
6:38
